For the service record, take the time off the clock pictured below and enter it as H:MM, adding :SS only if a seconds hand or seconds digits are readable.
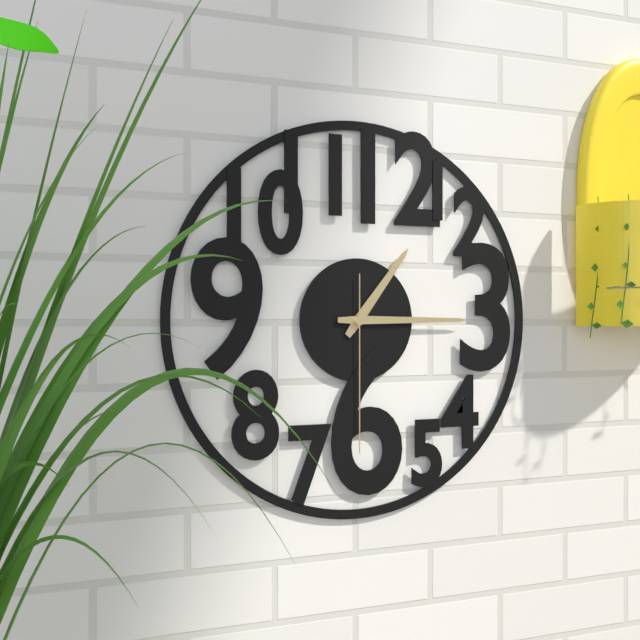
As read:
1:15:30
